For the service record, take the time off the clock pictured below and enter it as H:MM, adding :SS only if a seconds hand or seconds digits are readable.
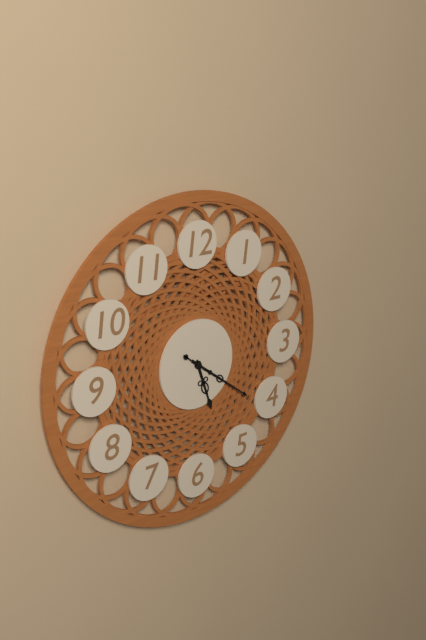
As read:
5:21:21
